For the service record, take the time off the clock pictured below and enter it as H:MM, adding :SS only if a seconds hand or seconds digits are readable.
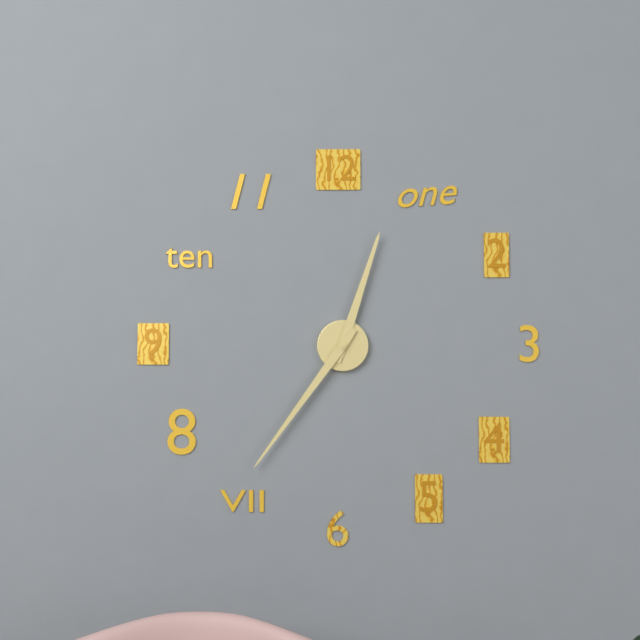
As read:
12:36
